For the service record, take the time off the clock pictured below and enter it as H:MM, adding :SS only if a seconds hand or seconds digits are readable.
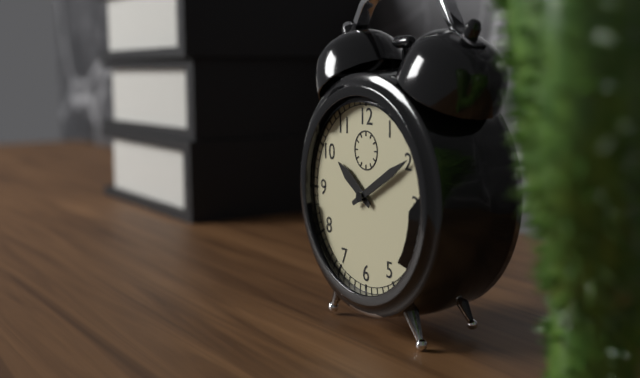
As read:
10:10
